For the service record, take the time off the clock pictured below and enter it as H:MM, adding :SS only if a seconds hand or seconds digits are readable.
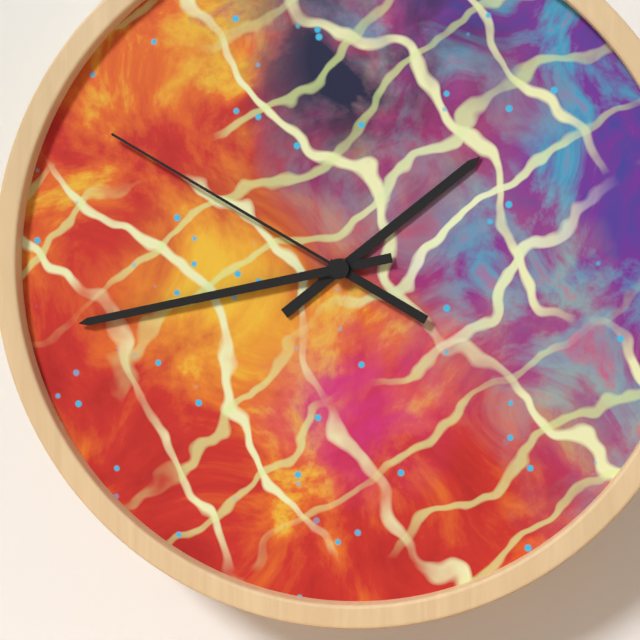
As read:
1:43:50
